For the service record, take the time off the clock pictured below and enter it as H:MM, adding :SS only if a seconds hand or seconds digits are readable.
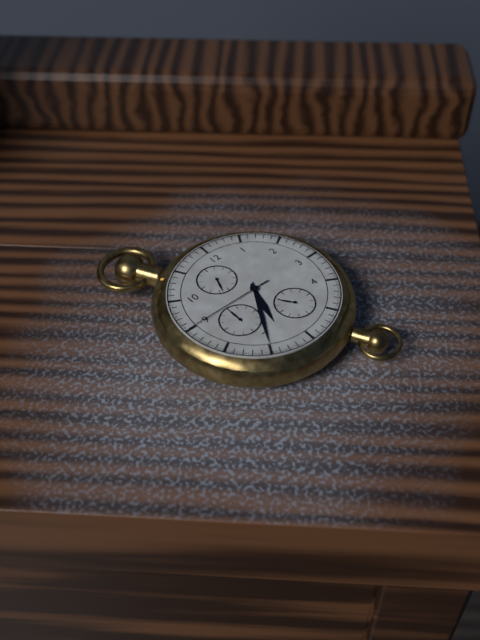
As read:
6:35:45
